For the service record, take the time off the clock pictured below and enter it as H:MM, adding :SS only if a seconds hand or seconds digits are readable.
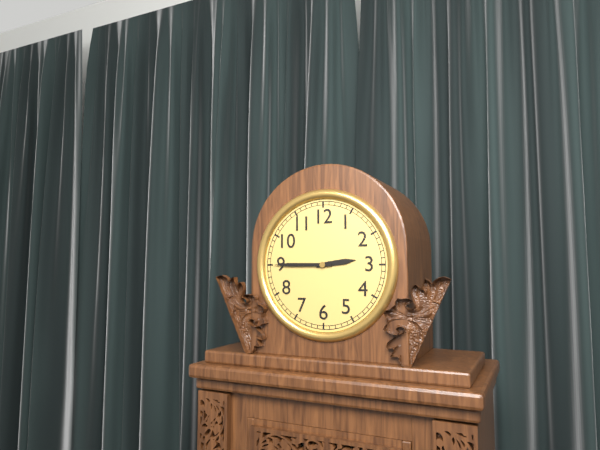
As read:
2:45
